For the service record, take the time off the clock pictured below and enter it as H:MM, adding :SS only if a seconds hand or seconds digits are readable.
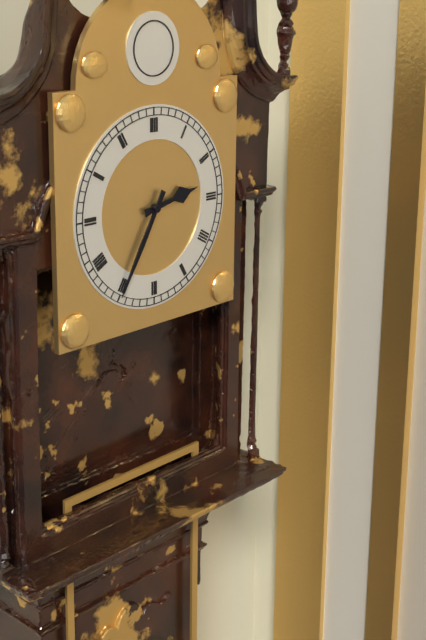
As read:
2:35
